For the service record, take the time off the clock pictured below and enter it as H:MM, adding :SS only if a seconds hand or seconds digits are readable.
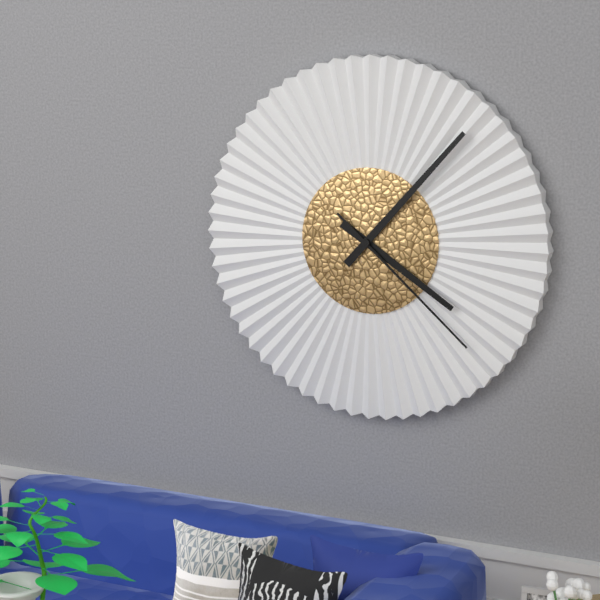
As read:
4:07:22
